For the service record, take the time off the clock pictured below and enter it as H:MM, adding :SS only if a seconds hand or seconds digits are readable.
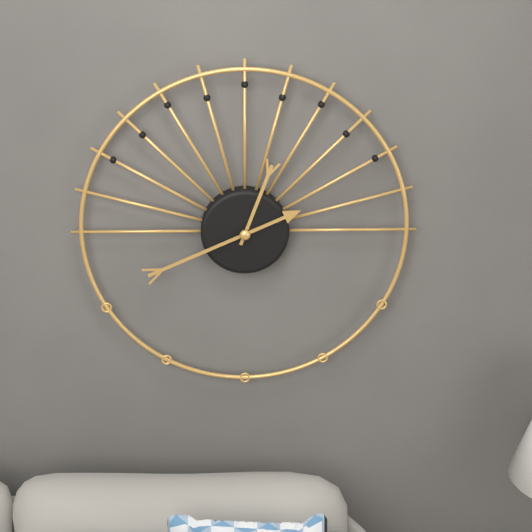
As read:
12:41
